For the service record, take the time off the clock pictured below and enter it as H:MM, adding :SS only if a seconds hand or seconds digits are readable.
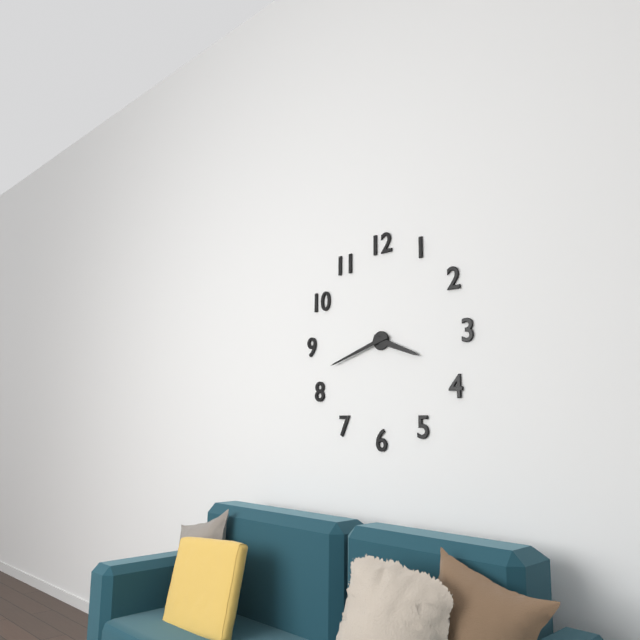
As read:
3:42
